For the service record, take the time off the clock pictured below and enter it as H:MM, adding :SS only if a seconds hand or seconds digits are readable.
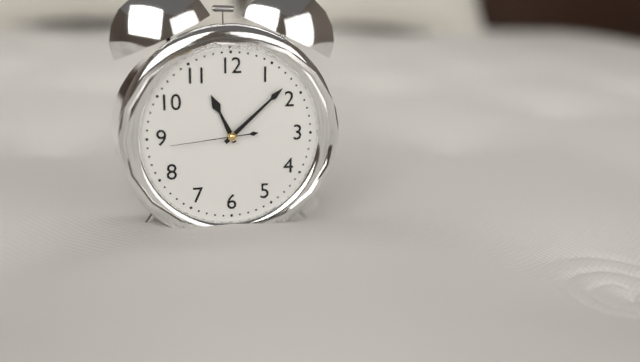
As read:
11:08:44
